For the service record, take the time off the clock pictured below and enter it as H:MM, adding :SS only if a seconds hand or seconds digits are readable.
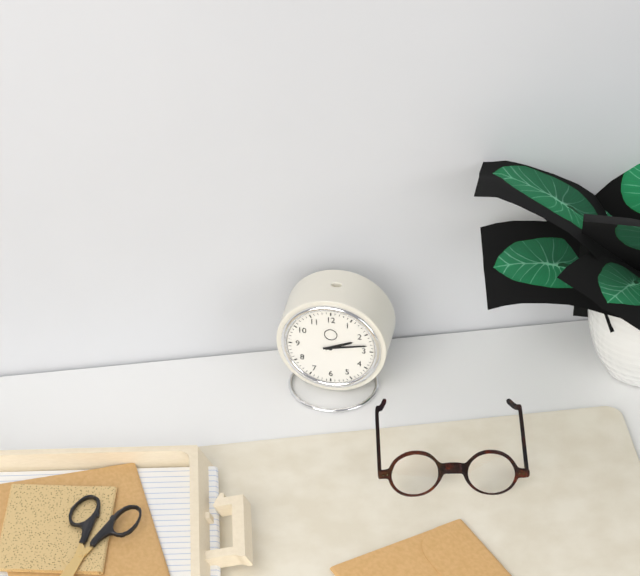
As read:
2:13
